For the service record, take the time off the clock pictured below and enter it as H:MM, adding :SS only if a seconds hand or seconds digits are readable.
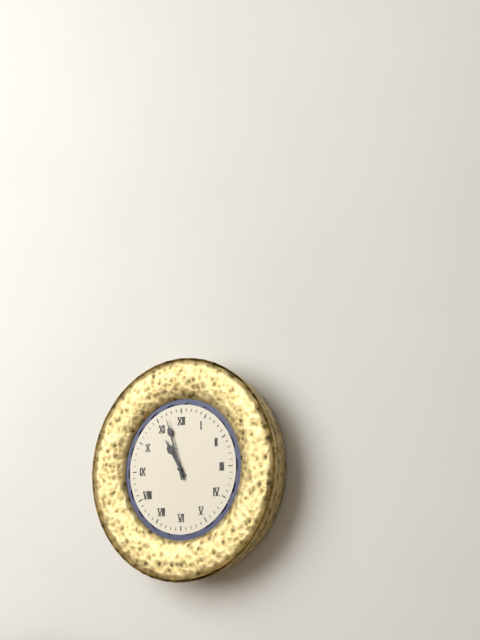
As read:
10:57
